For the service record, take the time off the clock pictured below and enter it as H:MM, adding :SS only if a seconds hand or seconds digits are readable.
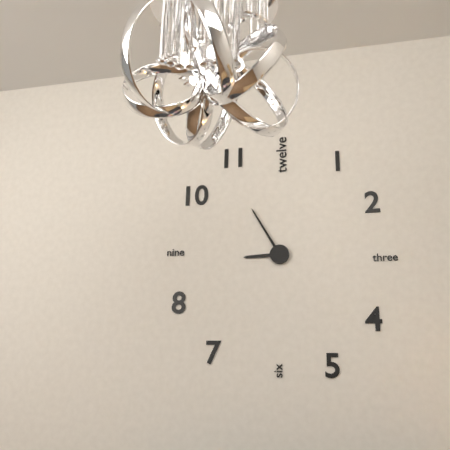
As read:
8:55
